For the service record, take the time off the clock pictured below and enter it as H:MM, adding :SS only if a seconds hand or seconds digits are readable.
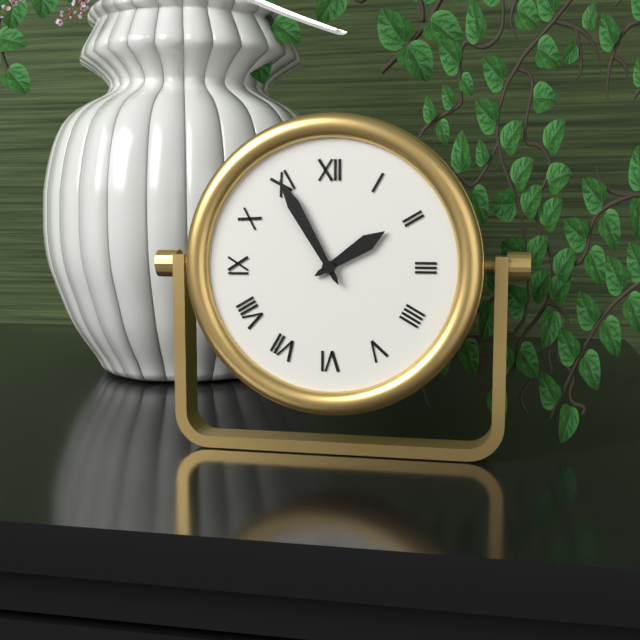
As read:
1:55
